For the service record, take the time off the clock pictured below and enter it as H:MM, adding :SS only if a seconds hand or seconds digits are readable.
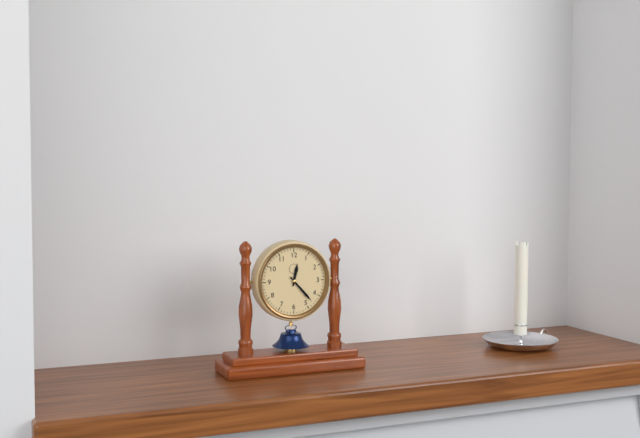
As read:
12:23
